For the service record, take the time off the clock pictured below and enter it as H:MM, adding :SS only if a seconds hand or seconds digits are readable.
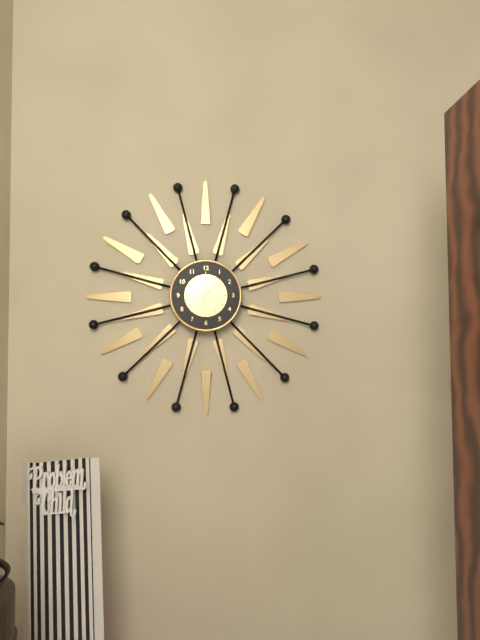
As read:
7:00
